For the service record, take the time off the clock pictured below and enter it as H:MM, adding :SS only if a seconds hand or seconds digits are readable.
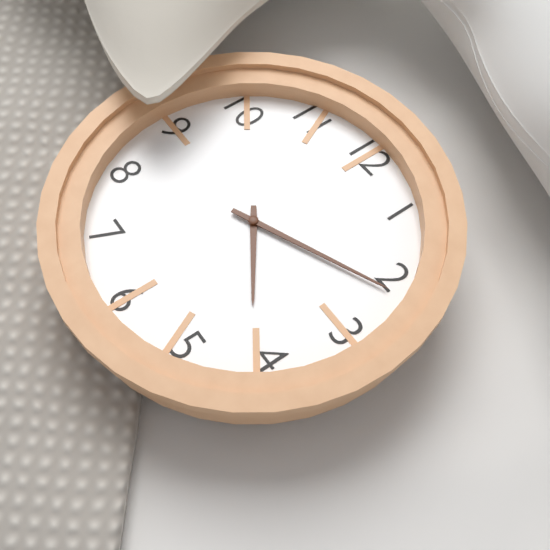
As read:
4:11
